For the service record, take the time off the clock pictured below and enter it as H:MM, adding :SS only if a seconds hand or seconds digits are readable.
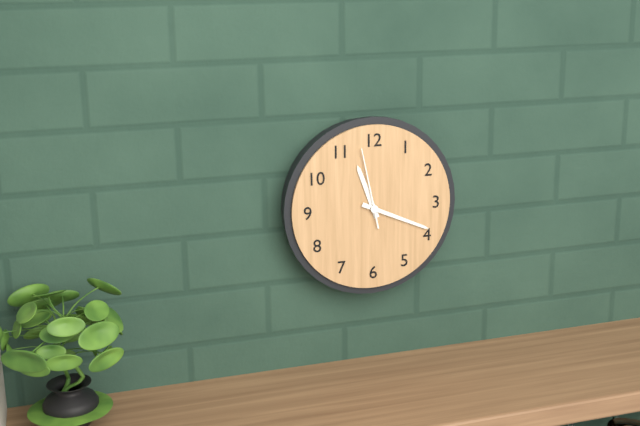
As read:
11:19:58
